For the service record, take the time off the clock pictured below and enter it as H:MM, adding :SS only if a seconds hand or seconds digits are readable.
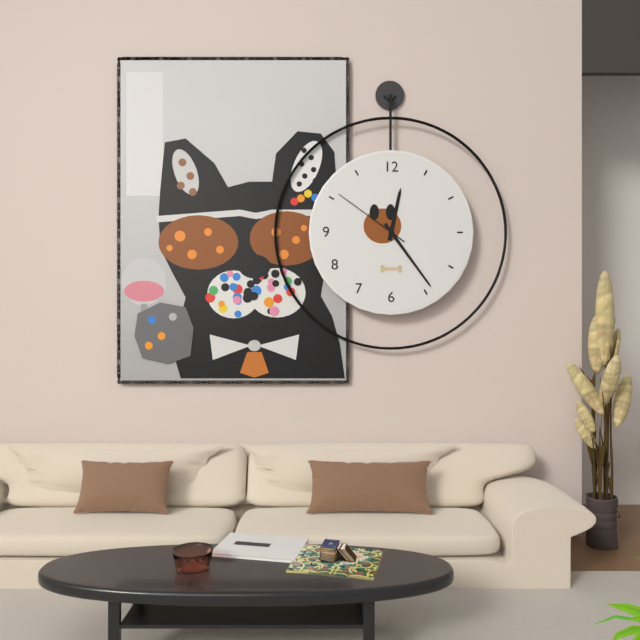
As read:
12:24:51
